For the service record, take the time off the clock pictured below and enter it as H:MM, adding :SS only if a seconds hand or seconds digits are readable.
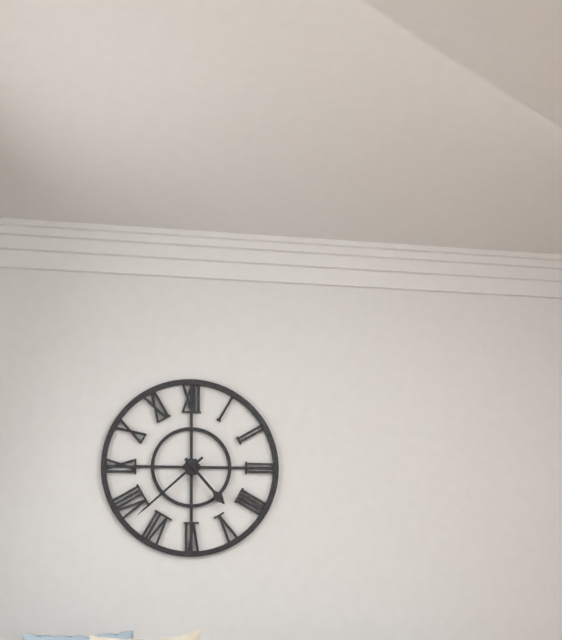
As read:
4:38
